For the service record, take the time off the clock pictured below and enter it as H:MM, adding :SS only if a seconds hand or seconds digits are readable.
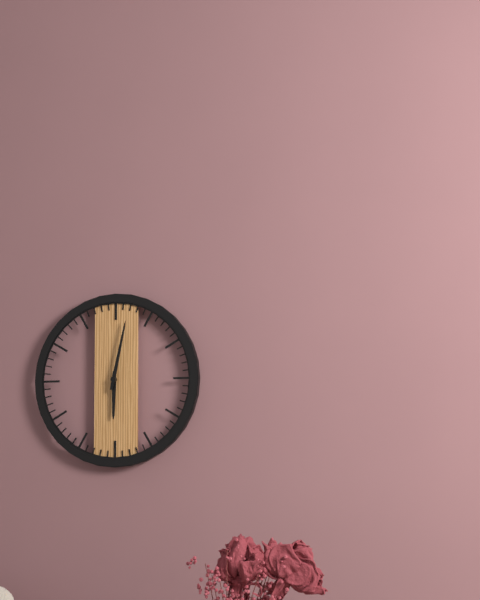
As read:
6:02
